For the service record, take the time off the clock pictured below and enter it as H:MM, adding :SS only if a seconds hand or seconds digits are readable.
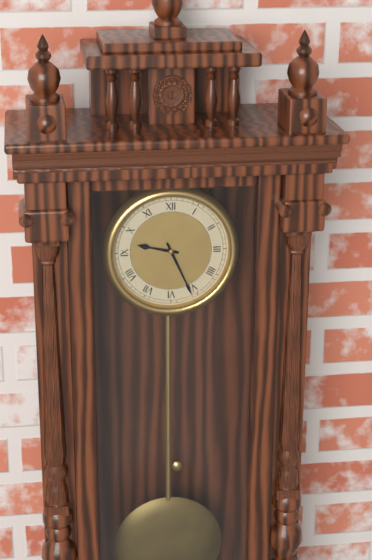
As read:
9:26
